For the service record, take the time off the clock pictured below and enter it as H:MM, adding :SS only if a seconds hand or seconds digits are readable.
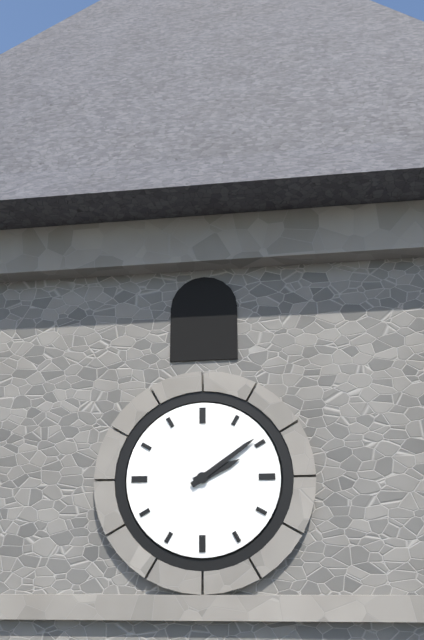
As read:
2:09
